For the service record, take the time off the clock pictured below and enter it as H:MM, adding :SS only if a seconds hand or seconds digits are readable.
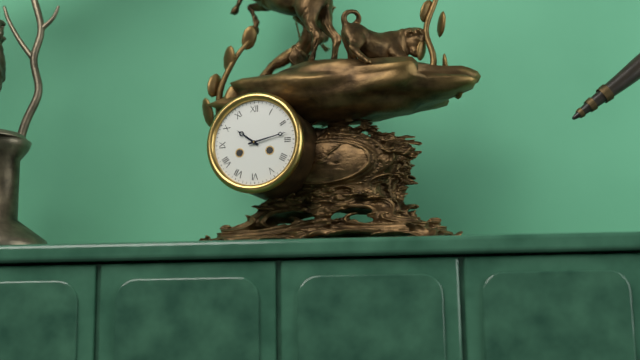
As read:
10:13
